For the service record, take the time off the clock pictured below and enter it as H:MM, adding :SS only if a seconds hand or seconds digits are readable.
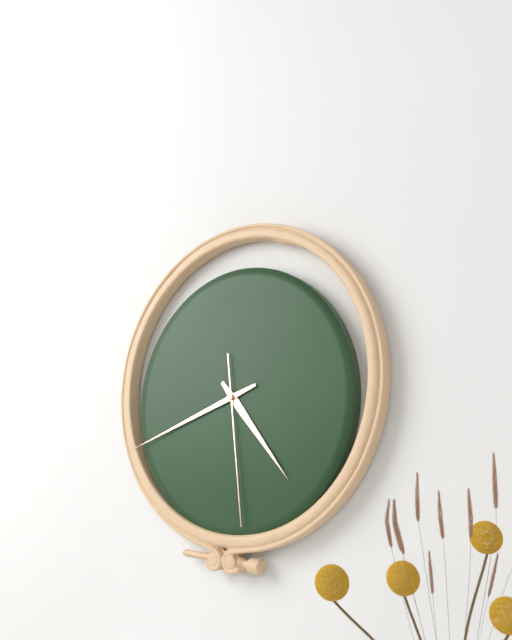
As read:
4:42:29
